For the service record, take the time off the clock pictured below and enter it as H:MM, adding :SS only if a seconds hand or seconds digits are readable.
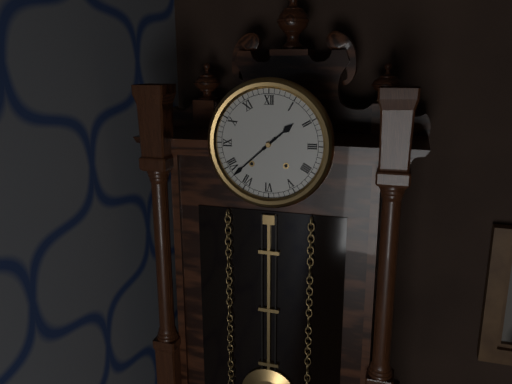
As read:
1:38
